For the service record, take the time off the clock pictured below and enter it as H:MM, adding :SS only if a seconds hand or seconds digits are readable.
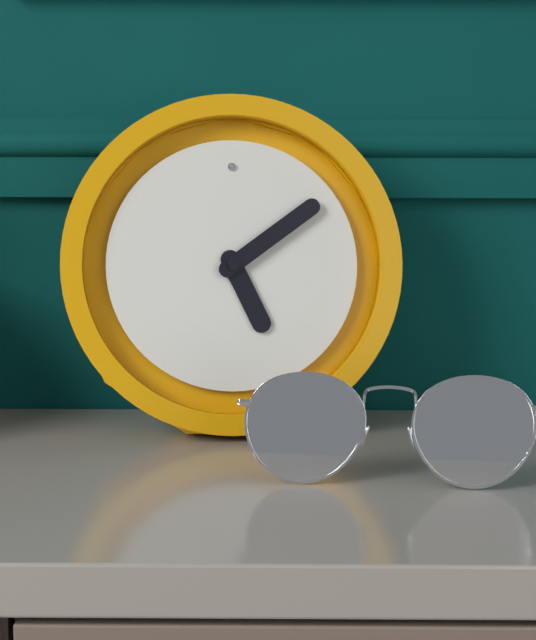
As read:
5:09
